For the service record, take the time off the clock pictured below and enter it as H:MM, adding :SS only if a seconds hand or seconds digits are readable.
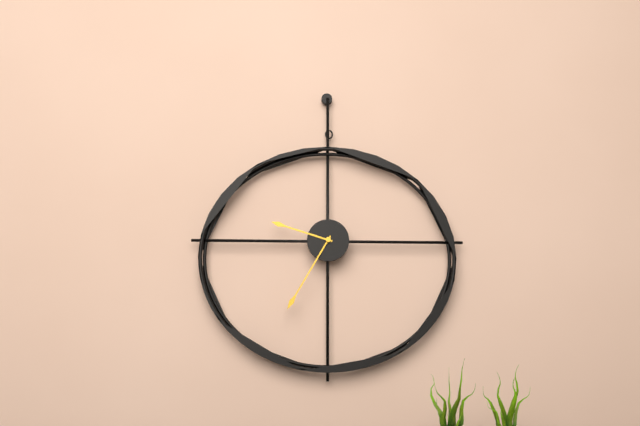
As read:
9:35
